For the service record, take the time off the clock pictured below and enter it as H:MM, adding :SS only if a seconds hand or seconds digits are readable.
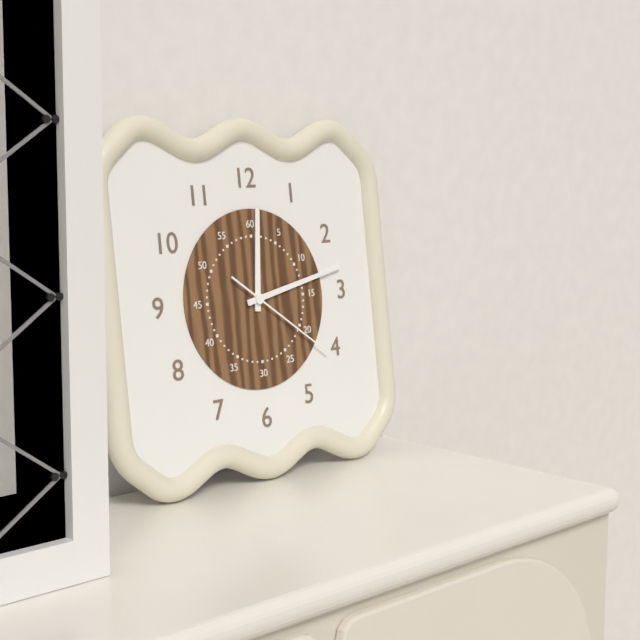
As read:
12:13:21
